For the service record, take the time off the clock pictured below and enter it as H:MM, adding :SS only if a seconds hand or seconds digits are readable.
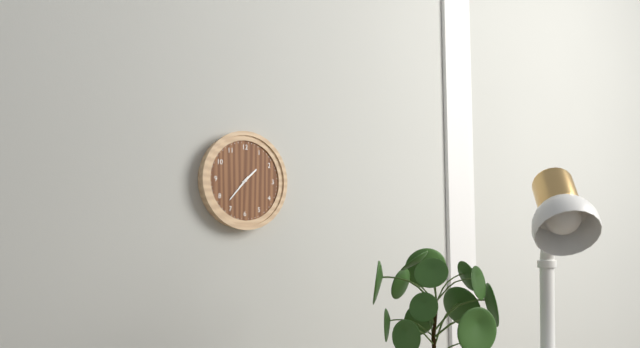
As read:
1:37
